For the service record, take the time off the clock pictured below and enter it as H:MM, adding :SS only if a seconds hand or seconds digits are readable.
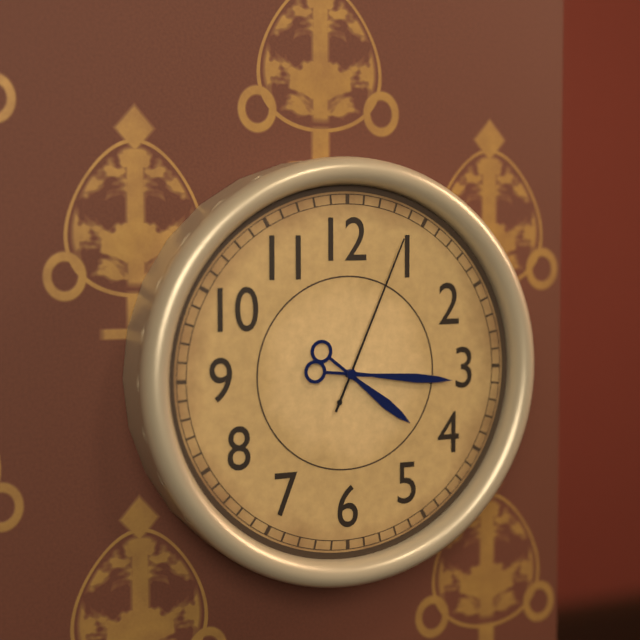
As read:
4:16:04
